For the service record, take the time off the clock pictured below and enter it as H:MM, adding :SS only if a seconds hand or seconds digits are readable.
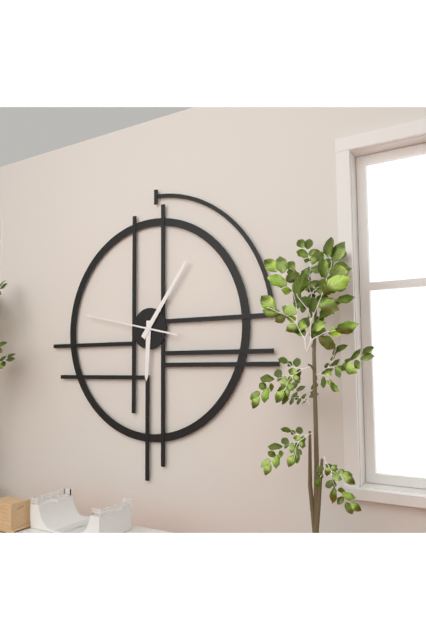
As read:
6:06:47
